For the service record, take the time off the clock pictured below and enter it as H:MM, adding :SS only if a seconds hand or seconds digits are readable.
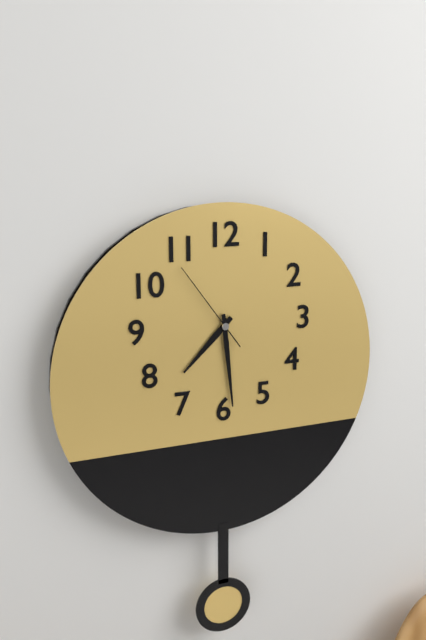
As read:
7:29:54
